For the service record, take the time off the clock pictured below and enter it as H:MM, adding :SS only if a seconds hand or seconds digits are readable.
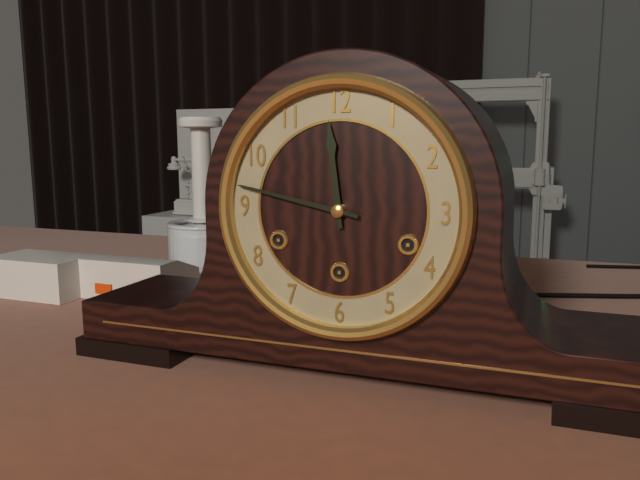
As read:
11:47
